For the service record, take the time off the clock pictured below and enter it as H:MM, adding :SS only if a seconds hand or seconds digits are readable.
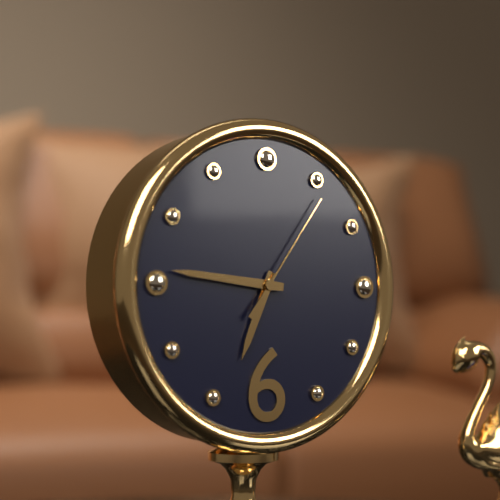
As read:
6:46:06
